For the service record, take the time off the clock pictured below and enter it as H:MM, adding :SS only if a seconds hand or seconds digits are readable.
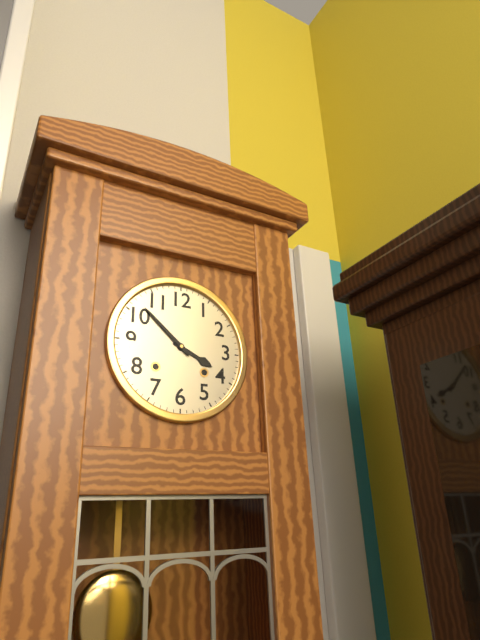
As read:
3:52
